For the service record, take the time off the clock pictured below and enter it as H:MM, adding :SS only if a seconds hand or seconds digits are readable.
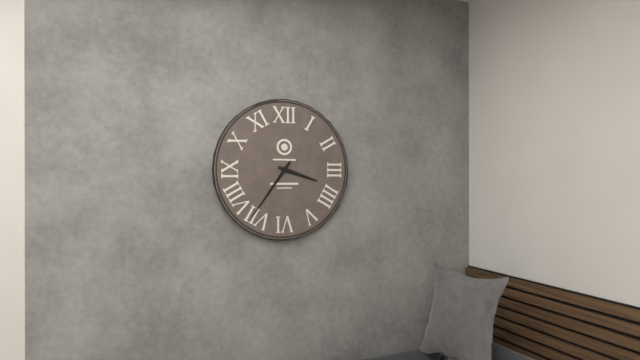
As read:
3:36
